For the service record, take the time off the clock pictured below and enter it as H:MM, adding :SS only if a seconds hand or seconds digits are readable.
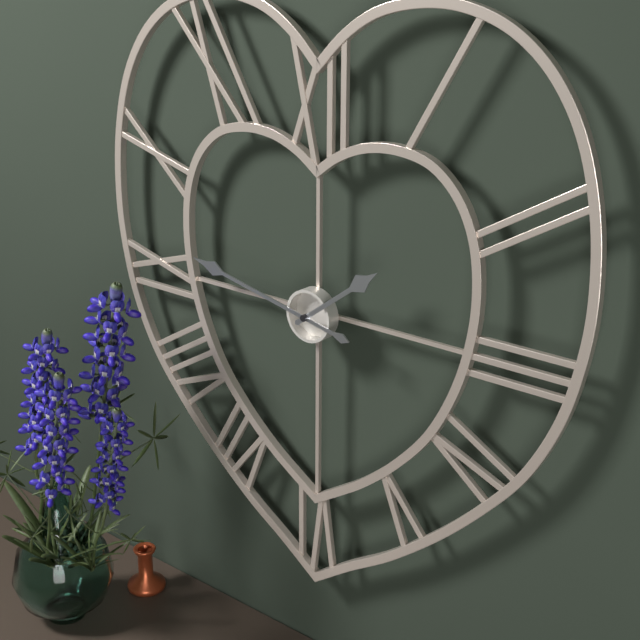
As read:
1:47
